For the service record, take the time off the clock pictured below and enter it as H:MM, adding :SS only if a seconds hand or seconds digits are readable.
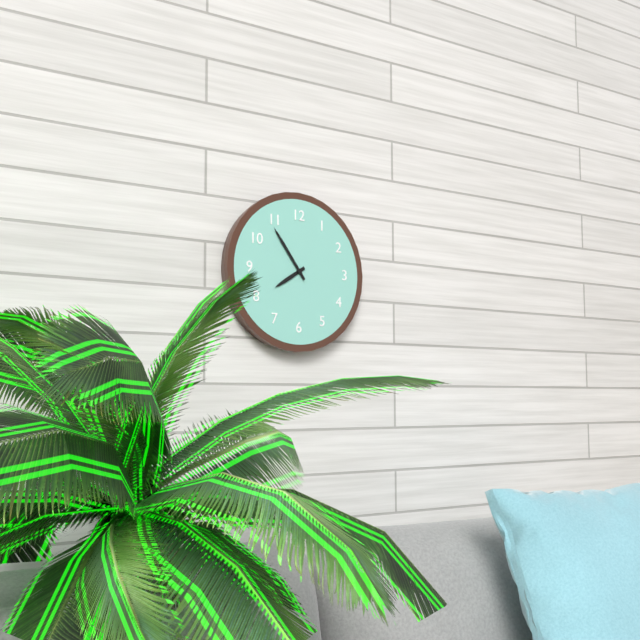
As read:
7:54
